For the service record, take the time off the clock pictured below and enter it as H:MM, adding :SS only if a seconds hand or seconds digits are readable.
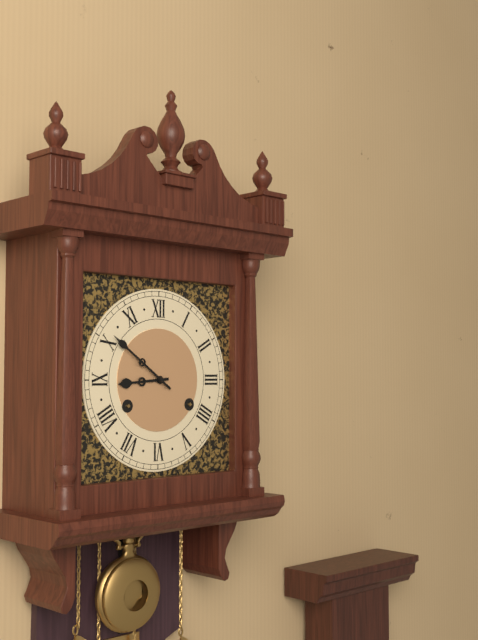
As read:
8:51
